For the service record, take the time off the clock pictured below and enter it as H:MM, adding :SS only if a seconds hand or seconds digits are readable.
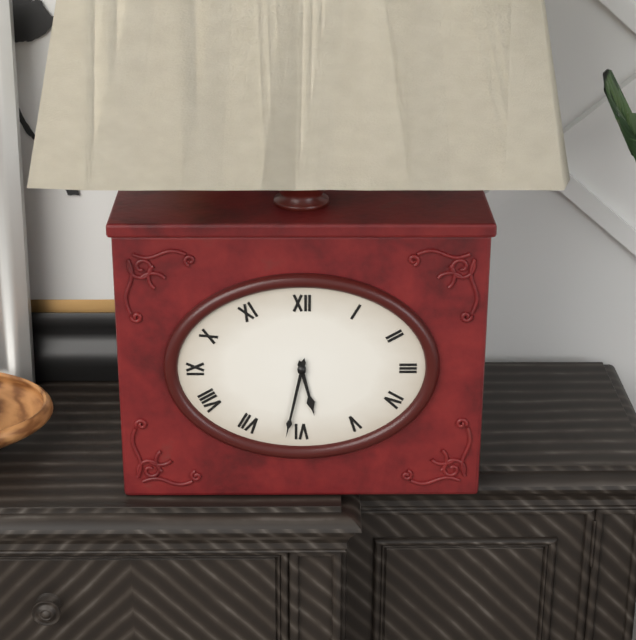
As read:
5:32
